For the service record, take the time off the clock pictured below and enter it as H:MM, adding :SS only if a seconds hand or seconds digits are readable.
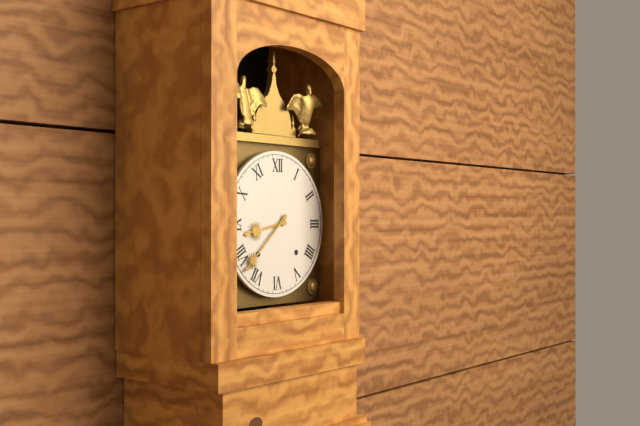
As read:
8:38
